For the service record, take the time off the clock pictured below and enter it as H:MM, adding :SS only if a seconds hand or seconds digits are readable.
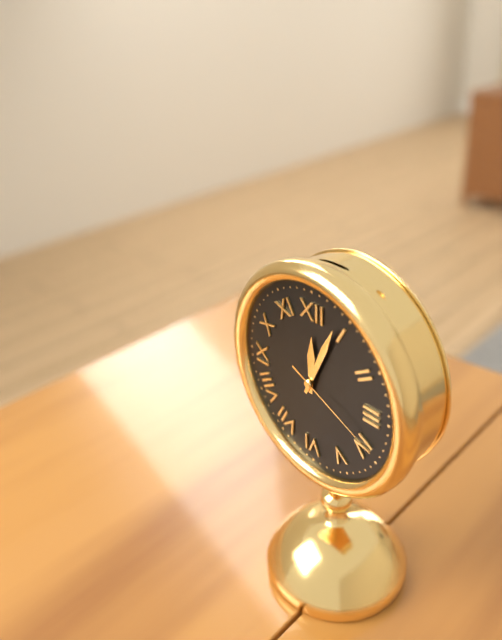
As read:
12:04:19
